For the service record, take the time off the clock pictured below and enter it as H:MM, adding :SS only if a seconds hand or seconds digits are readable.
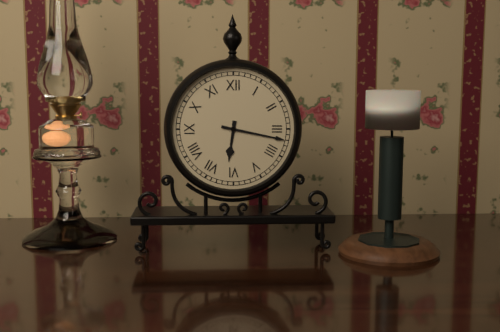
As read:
6:17
